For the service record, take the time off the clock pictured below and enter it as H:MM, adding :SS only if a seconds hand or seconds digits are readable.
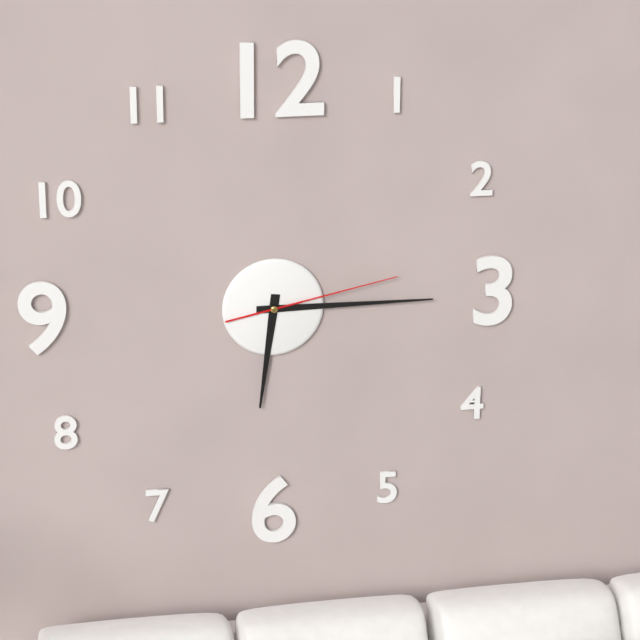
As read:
6:15:13
